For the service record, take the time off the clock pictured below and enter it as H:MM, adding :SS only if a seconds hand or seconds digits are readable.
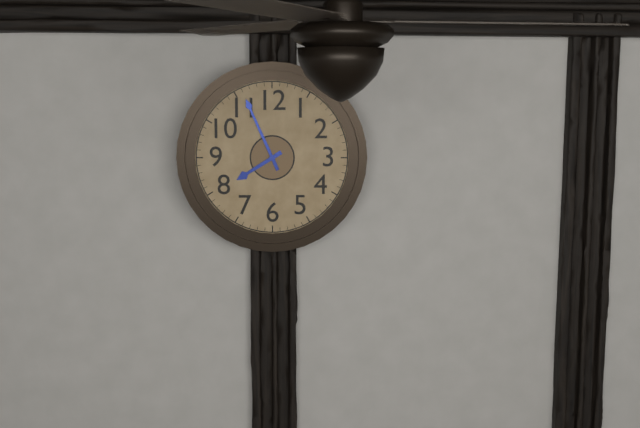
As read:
7:56
